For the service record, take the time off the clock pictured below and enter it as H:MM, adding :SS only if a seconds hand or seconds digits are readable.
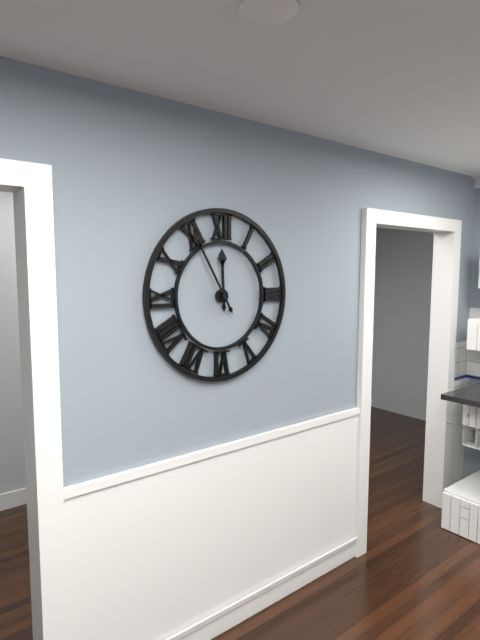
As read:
11:55
